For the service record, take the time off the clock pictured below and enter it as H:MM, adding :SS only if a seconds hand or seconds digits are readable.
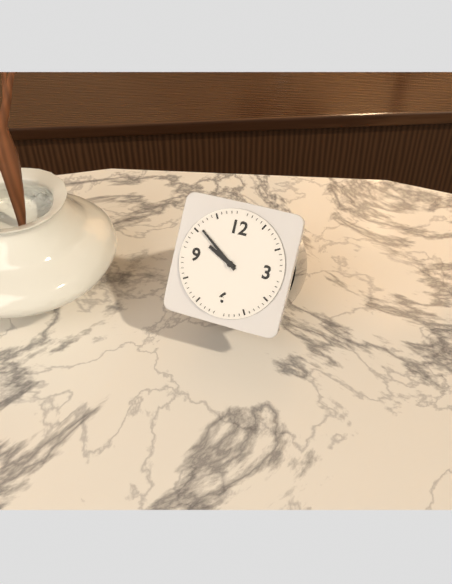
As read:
9:51
